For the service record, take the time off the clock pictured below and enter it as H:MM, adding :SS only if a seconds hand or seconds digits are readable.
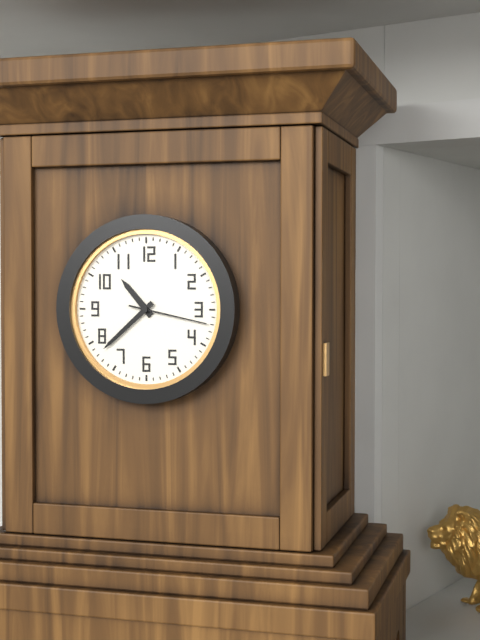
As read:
10:38
